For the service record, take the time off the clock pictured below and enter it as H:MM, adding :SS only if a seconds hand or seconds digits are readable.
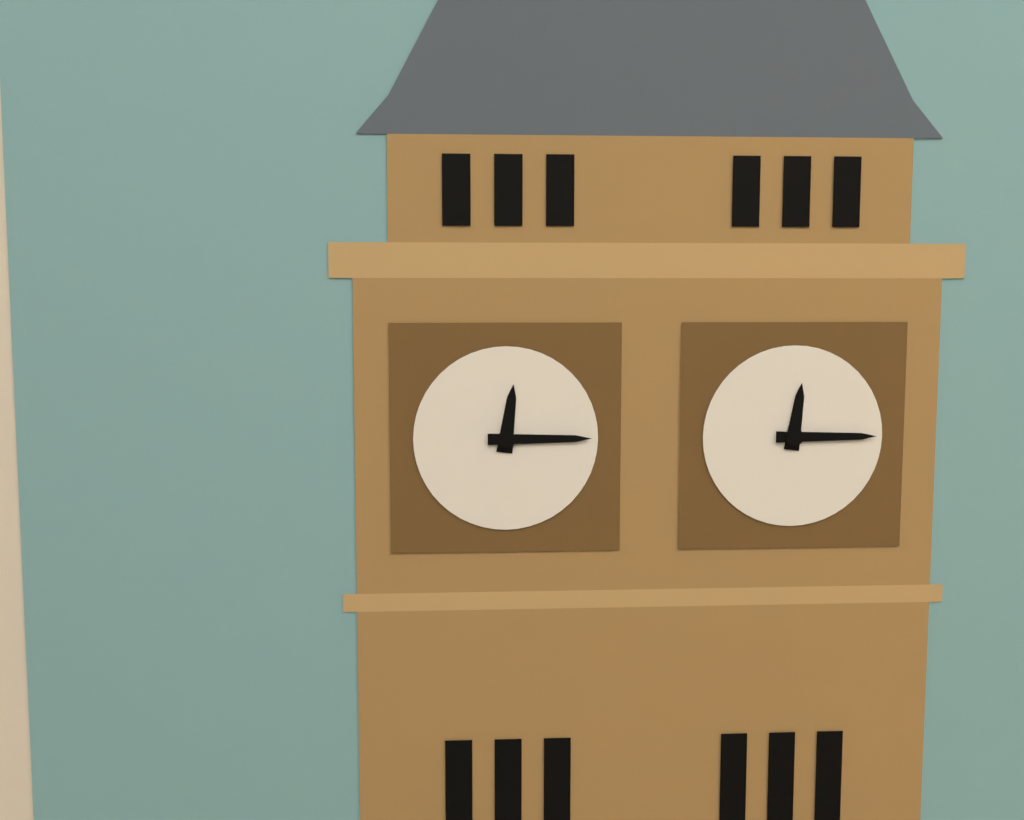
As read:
12:15
